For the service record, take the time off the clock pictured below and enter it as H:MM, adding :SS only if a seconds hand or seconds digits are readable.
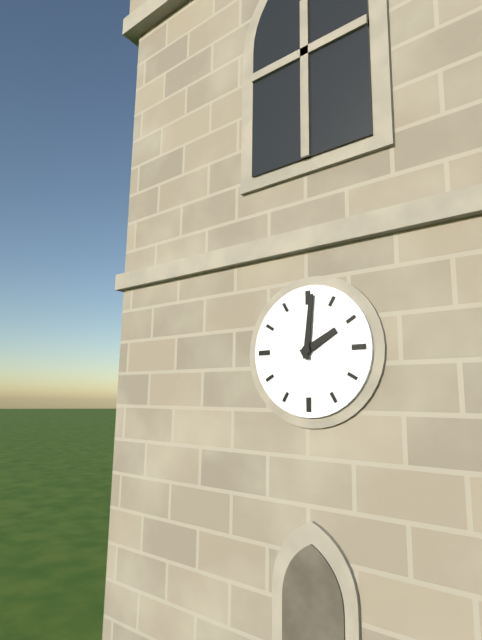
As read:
2:01
